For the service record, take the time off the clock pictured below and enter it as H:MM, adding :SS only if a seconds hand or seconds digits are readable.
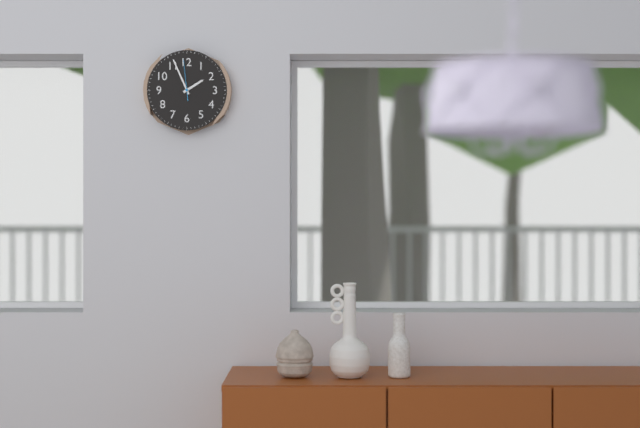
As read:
1:56
